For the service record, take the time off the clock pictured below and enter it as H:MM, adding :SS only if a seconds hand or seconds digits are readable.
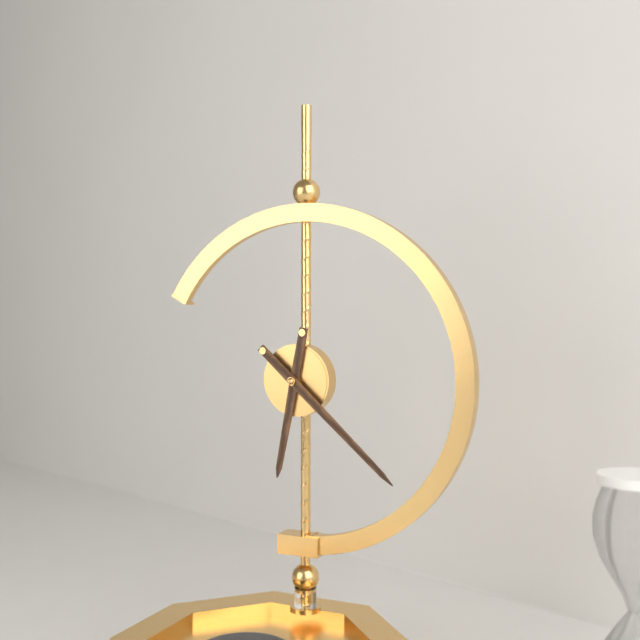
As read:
6:22
